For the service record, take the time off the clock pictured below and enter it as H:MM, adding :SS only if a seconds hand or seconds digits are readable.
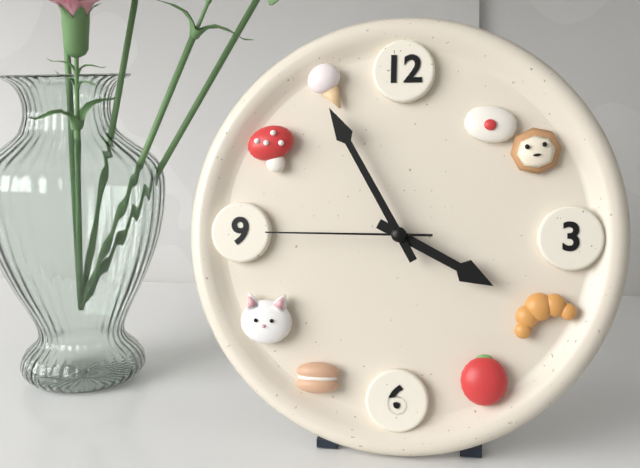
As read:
3:55:45
